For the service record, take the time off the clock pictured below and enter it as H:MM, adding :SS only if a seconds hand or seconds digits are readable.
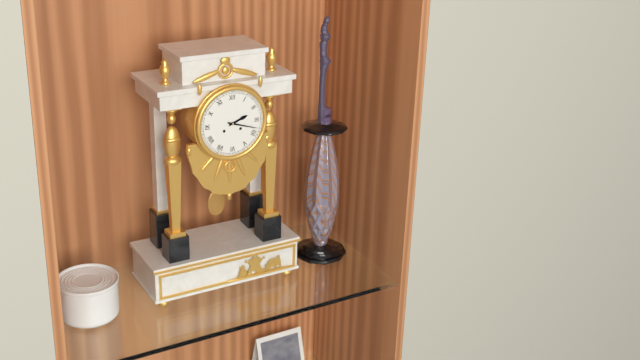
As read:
2:18
